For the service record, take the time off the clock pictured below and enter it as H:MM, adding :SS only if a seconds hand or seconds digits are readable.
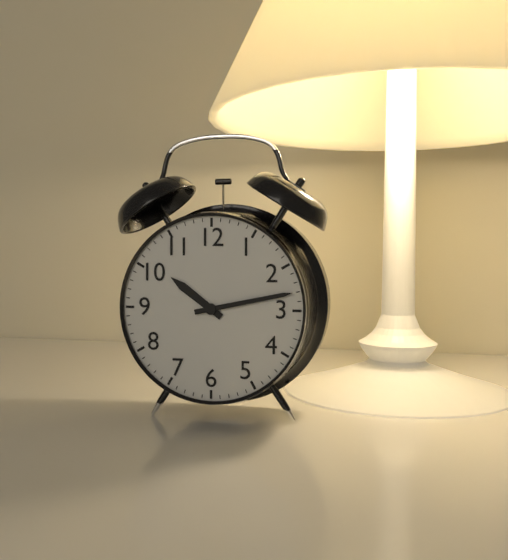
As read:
10:13
